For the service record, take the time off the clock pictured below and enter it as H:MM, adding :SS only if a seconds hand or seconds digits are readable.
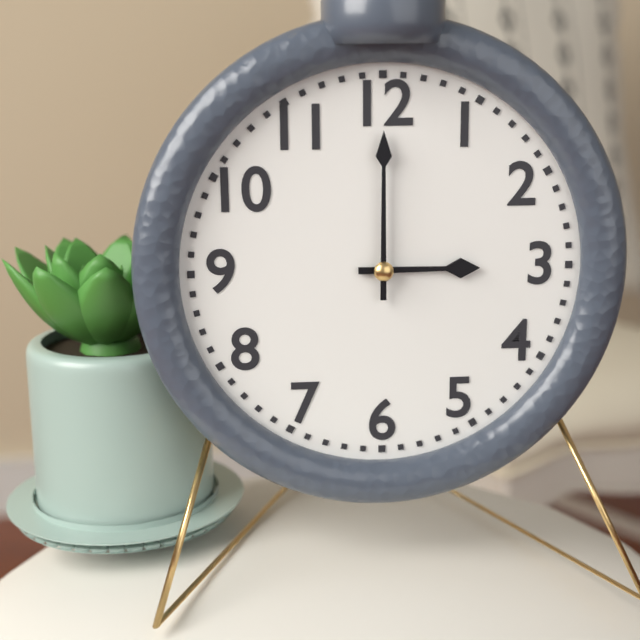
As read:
3:00
